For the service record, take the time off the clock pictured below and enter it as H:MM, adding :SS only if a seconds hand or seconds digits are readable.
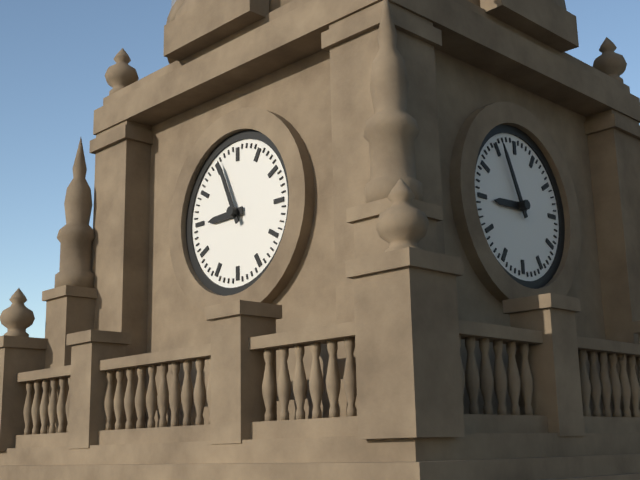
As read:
8:56
